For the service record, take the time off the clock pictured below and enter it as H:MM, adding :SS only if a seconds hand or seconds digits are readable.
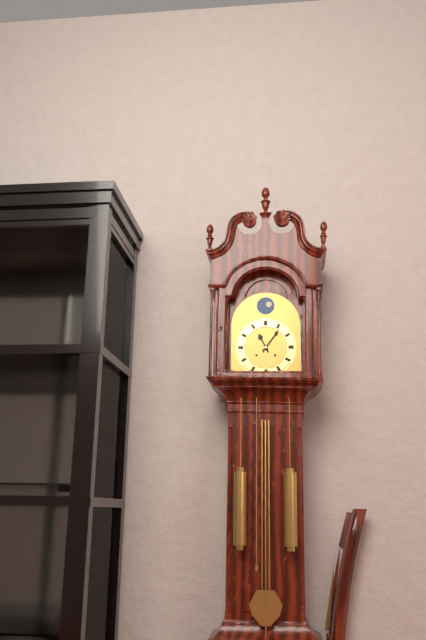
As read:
11:06
